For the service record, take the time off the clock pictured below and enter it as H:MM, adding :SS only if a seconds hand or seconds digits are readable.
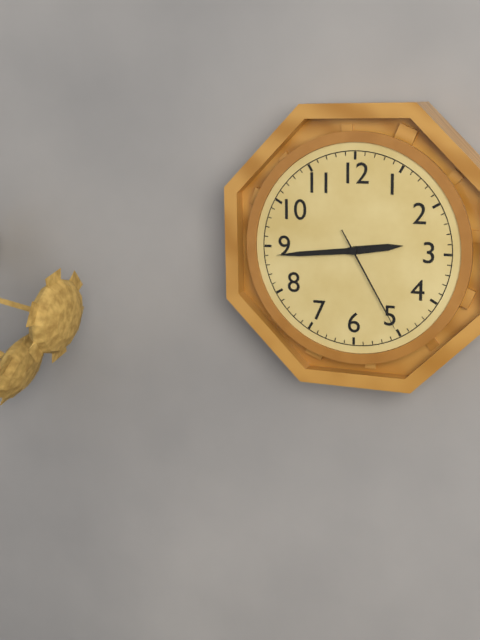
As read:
2:44:25
